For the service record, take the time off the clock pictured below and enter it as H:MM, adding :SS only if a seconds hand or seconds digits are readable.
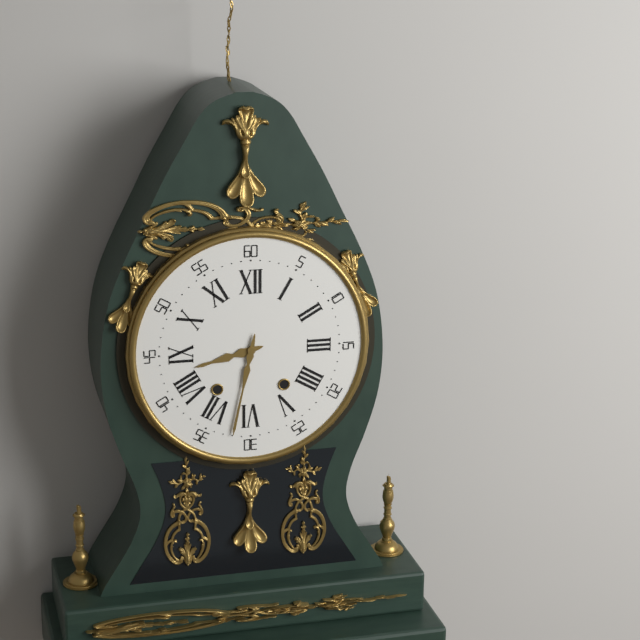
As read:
8:32
